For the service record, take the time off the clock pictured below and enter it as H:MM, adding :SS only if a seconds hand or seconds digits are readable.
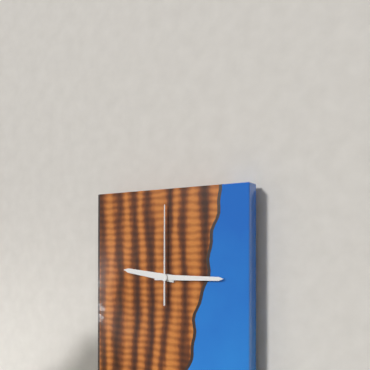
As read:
9:15:00
